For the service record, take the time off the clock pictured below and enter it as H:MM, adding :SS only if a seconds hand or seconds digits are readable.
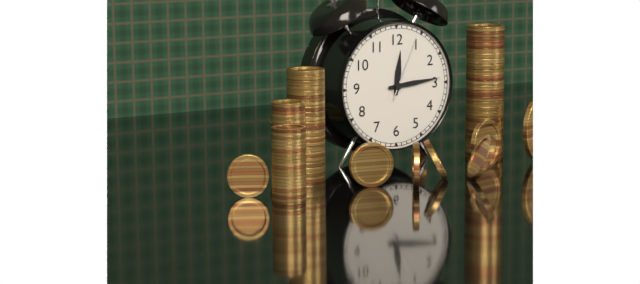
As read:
12:14:04
